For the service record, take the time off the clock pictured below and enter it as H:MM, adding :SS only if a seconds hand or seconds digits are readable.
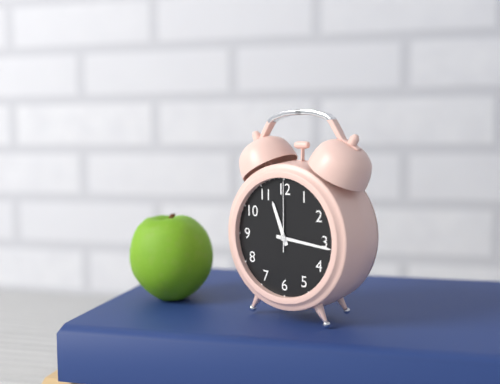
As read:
11:16:00
